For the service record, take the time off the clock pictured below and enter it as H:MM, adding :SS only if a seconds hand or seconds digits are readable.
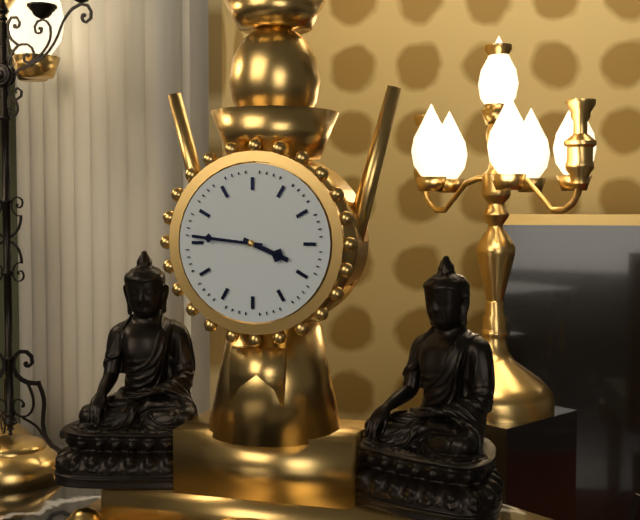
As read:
3:46
